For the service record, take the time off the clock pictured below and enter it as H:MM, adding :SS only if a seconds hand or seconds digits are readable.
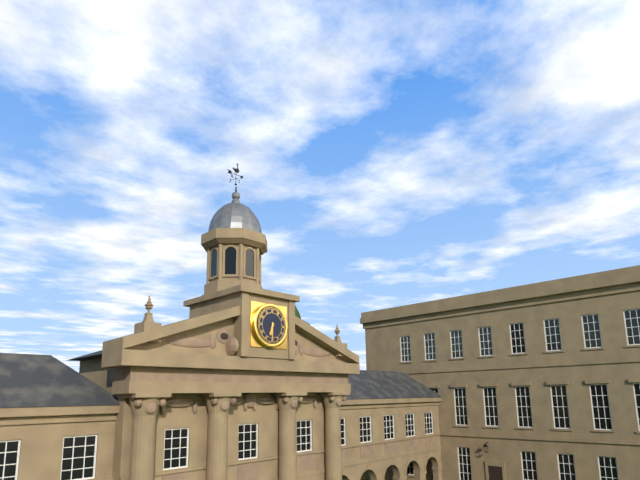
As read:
6:30
